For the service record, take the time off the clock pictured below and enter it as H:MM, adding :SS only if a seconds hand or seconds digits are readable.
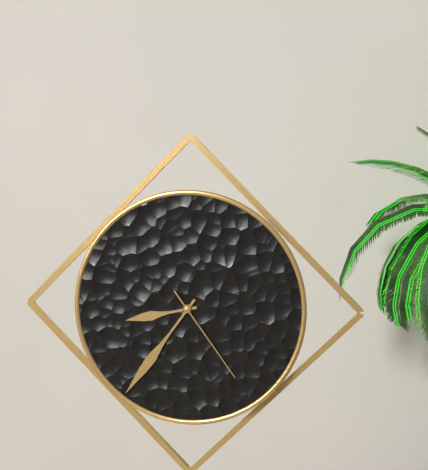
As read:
8:36:24
